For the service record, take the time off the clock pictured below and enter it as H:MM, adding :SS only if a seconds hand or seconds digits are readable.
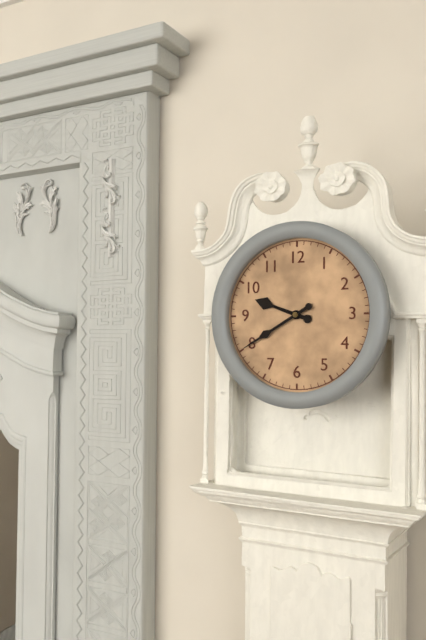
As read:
9:40
